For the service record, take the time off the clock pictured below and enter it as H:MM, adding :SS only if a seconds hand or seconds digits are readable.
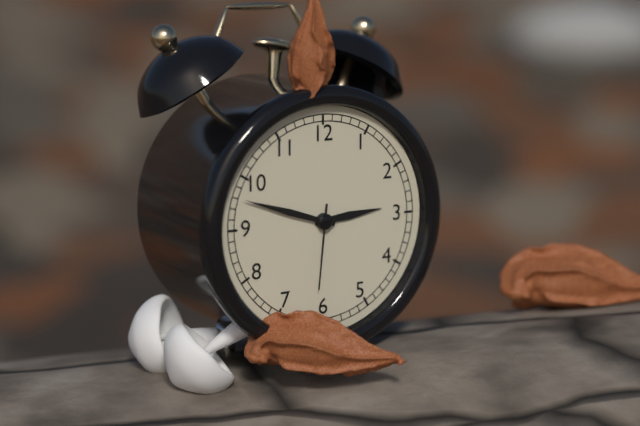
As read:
2:48:31
